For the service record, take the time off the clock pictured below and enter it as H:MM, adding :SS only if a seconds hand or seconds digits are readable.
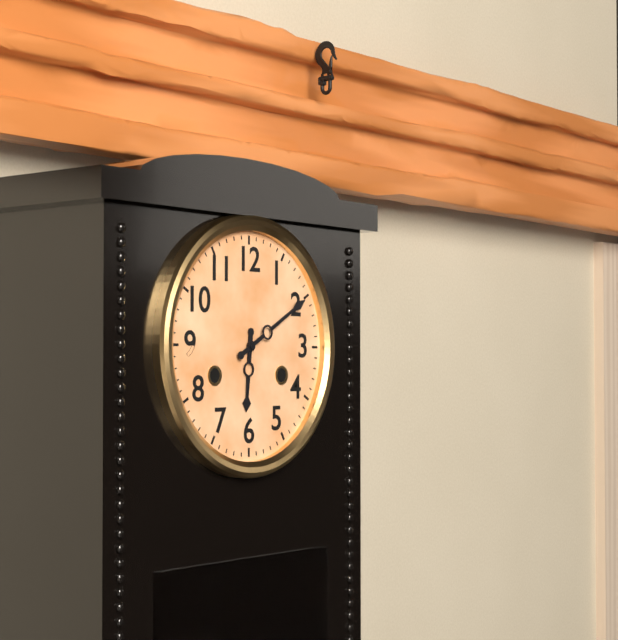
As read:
6:10
